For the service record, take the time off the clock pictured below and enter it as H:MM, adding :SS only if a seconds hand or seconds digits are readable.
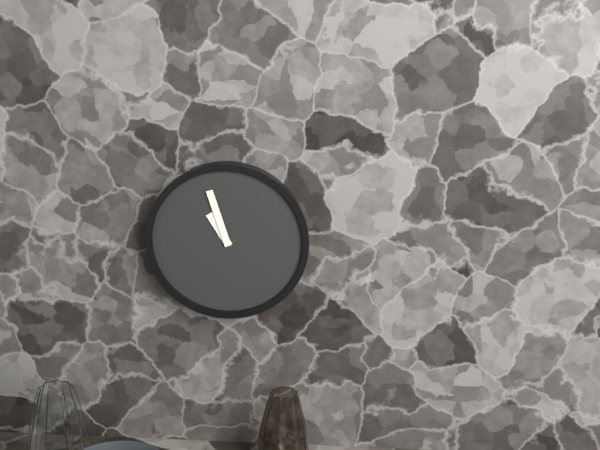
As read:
10:57
